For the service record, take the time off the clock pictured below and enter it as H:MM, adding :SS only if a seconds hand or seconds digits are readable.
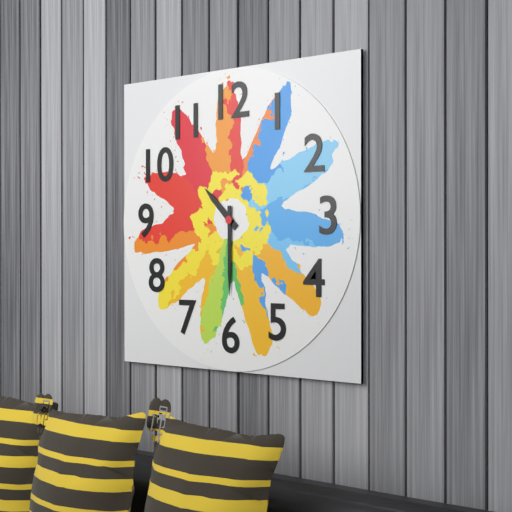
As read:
10:30
